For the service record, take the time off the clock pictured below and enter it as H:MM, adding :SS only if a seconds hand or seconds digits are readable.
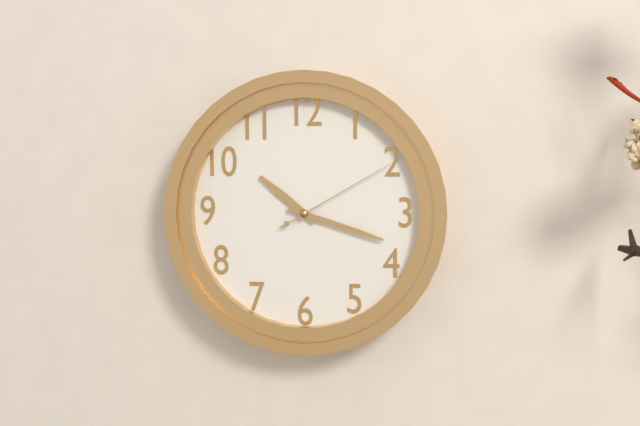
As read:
10:18:10
